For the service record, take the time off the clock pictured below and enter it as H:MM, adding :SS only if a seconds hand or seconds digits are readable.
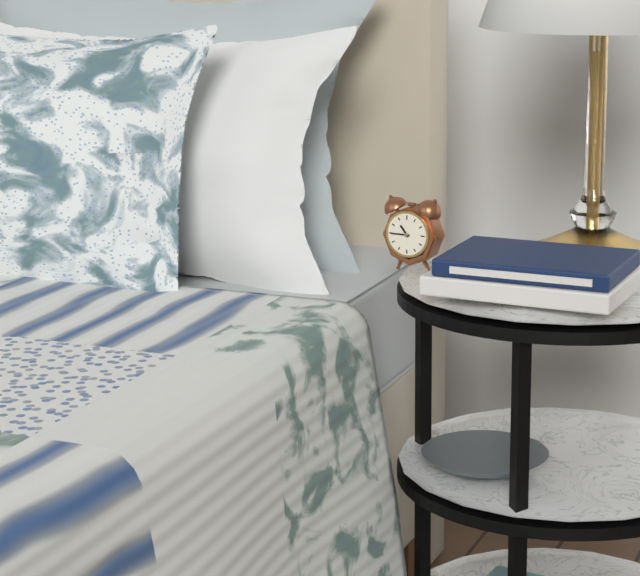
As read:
10:45
